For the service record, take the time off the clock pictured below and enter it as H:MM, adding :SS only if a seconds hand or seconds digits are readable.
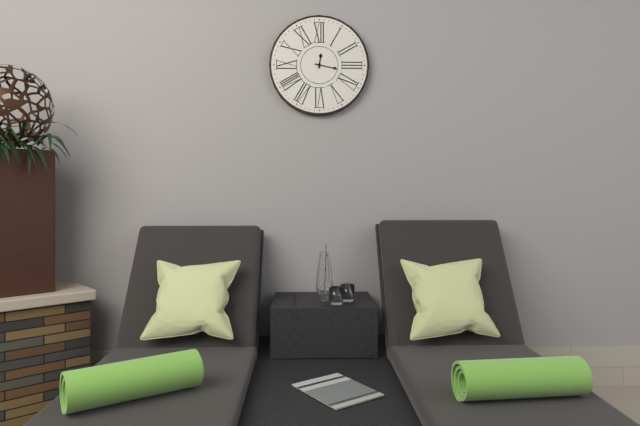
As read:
12:17
